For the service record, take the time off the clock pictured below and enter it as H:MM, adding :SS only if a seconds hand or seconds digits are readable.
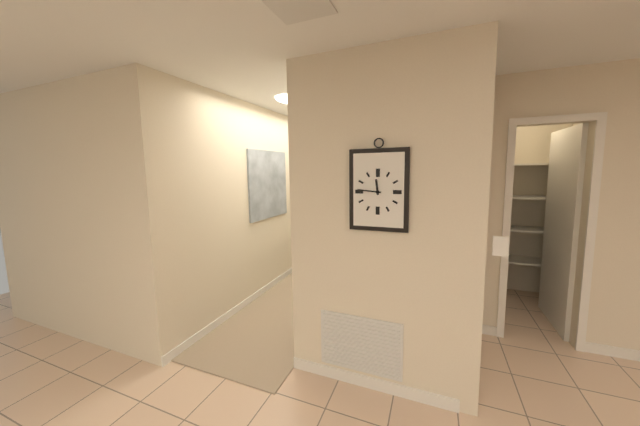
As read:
11:46
